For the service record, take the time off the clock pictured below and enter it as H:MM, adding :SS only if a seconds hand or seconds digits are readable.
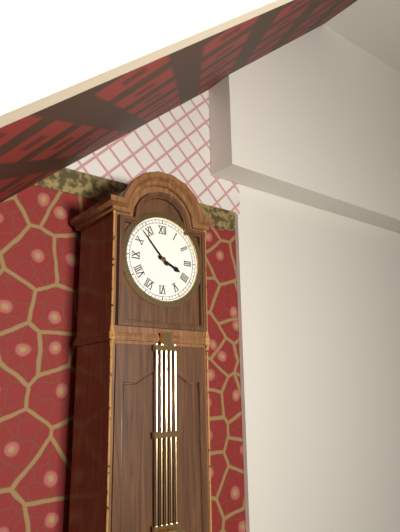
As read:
3:53
